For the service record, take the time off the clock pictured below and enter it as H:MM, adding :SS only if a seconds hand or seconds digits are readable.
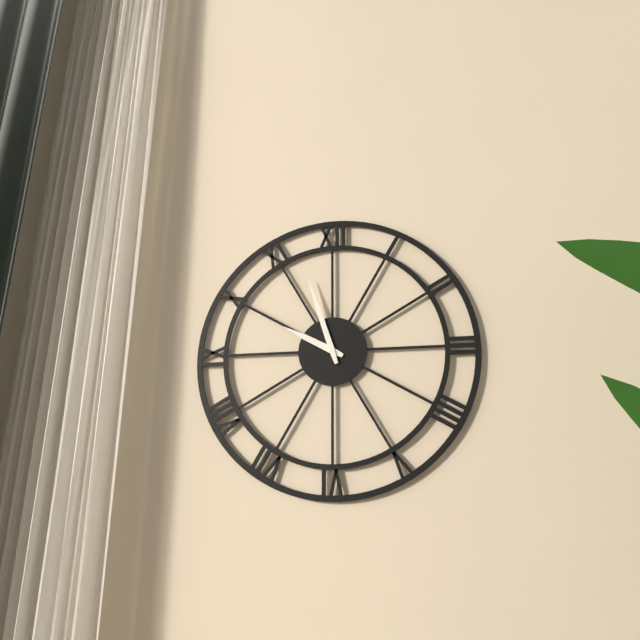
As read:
9:57
